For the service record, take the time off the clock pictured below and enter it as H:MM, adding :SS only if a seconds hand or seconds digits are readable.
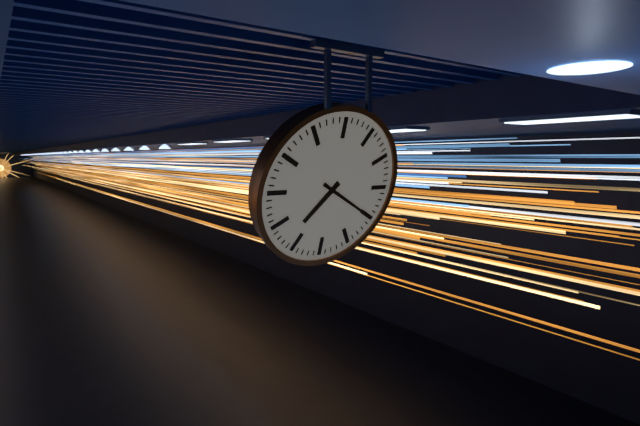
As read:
7:20
